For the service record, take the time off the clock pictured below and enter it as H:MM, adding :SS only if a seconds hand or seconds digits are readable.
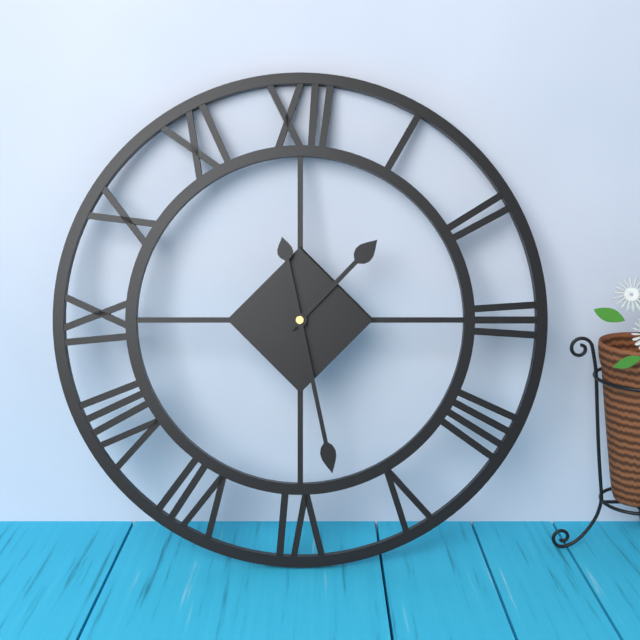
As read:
1:28
